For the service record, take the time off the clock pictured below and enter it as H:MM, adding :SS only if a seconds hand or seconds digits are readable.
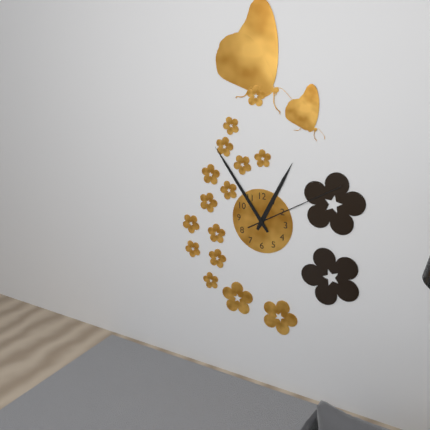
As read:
12:54:10
